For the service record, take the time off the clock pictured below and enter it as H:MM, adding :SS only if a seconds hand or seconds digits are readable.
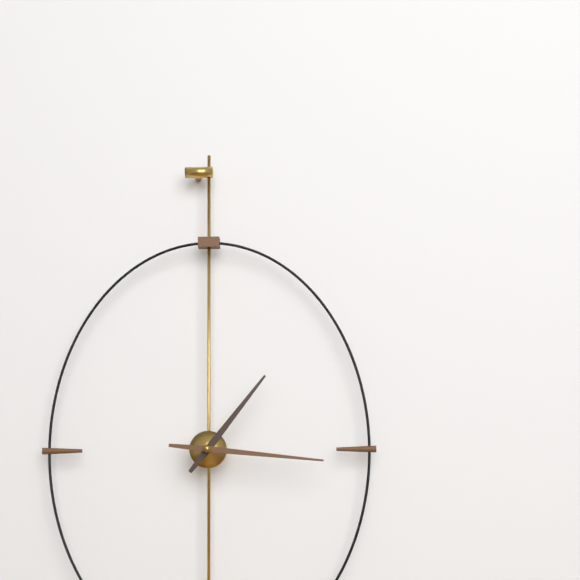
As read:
1:16
